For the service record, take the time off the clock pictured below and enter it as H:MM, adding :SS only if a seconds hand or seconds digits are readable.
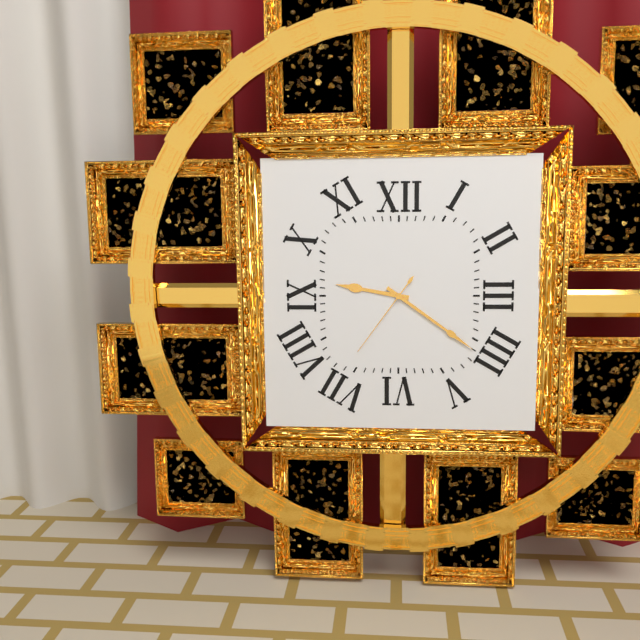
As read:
9:21:36
